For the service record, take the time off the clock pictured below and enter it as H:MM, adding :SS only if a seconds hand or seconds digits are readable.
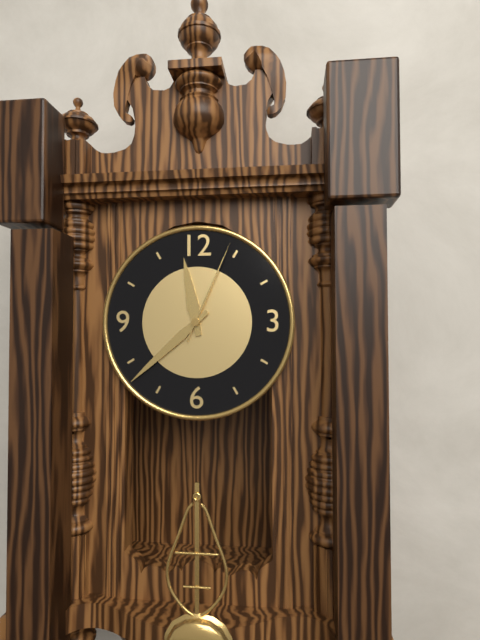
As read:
11:38:04
